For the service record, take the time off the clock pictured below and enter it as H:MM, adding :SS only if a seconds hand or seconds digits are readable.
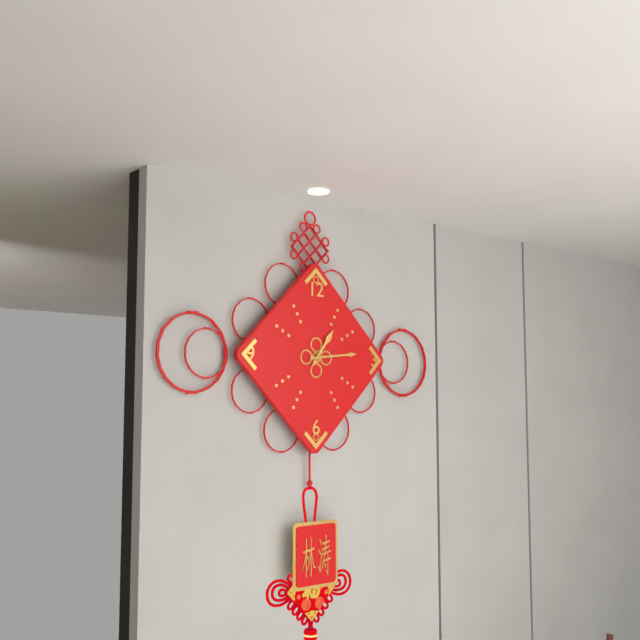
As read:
1:14
